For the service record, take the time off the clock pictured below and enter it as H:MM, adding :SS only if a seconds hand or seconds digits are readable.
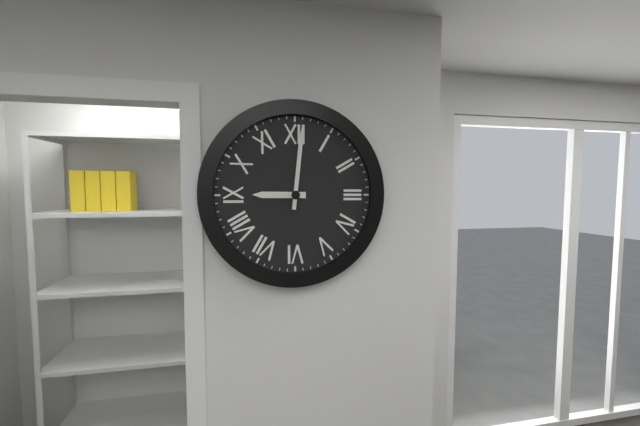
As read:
9:01
